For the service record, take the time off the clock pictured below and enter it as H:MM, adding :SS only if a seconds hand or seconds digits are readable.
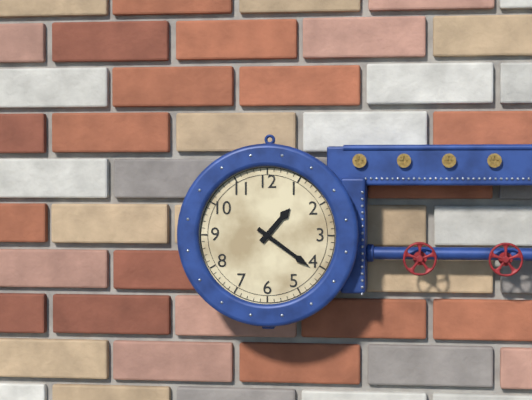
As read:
1:21
